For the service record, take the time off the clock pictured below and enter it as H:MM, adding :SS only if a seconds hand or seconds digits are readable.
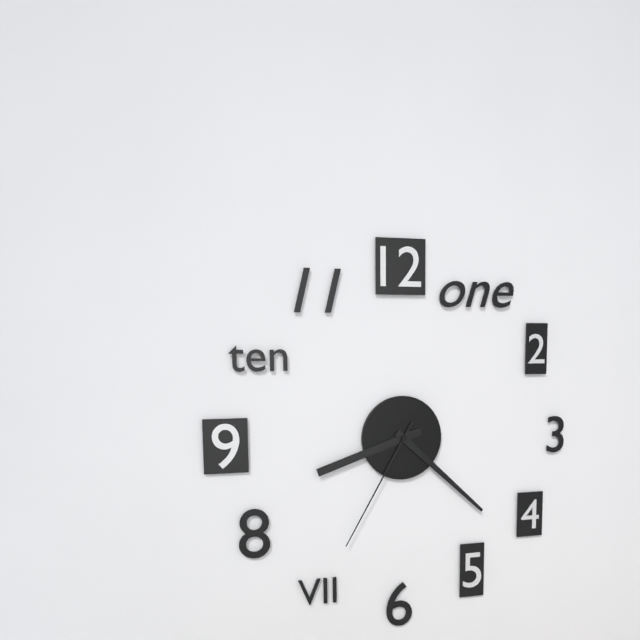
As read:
8:22:35
